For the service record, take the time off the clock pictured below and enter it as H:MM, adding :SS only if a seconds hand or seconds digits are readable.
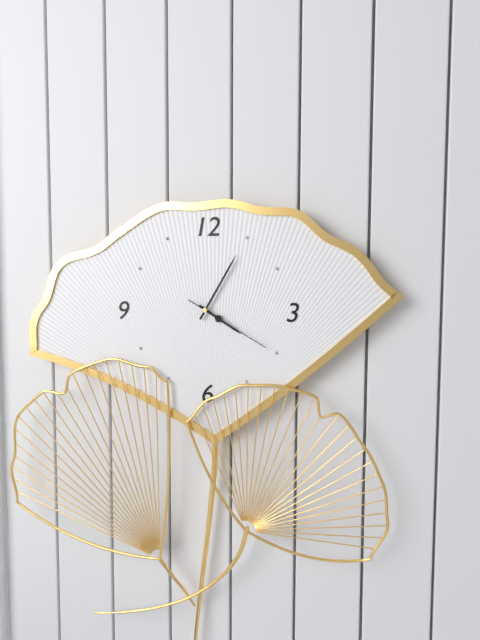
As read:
4:05:20
